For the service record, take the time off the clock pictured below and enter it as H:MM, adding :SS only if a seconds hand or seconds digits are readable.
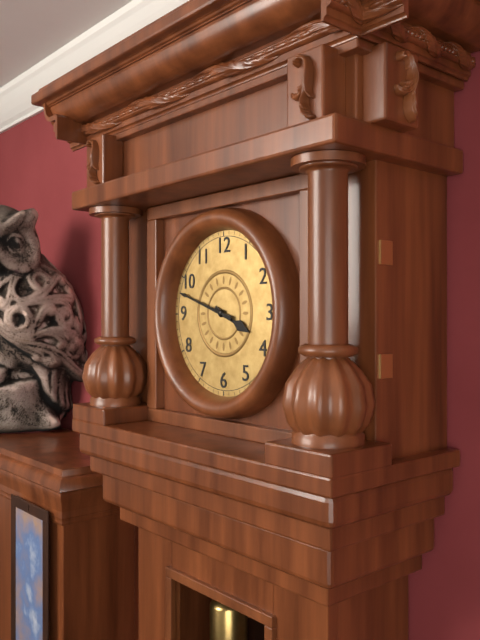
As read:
3:48
